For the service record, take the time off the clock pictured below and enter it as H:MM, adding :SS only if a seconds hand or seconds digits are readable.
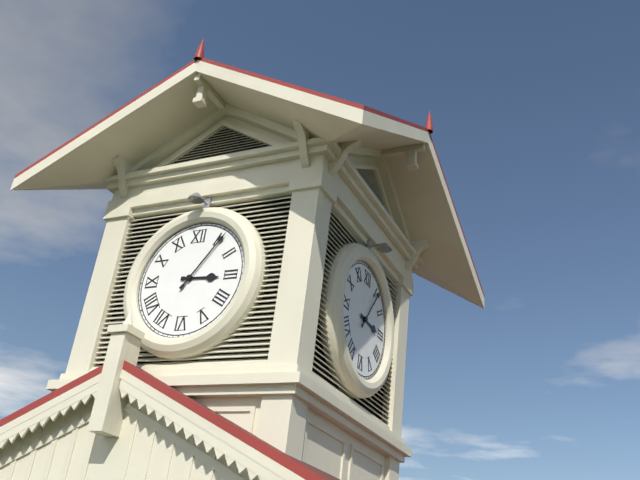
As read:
3:06
